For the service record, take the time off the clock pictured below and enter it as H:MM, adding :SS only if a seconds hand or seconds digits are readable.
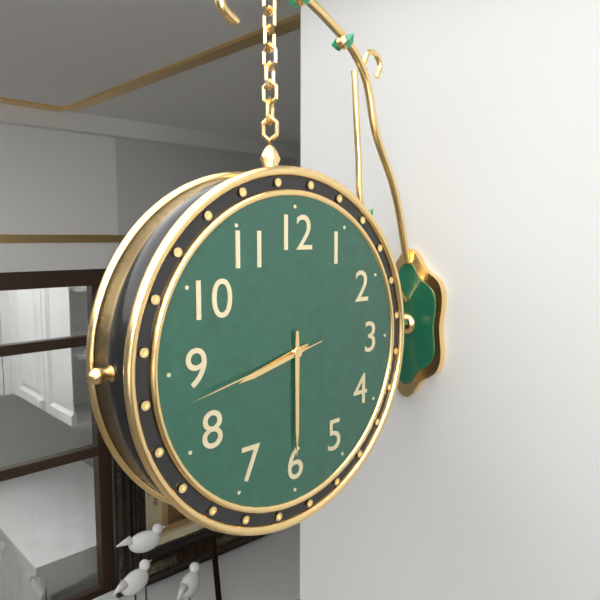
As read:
8:30:43
